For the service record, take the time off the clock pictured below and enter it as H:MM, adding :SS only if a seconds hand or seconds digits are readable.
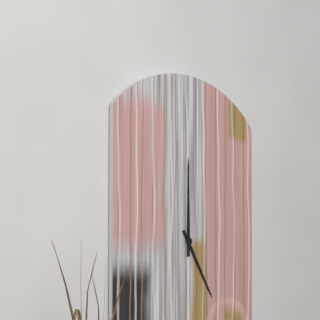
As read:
5:00
